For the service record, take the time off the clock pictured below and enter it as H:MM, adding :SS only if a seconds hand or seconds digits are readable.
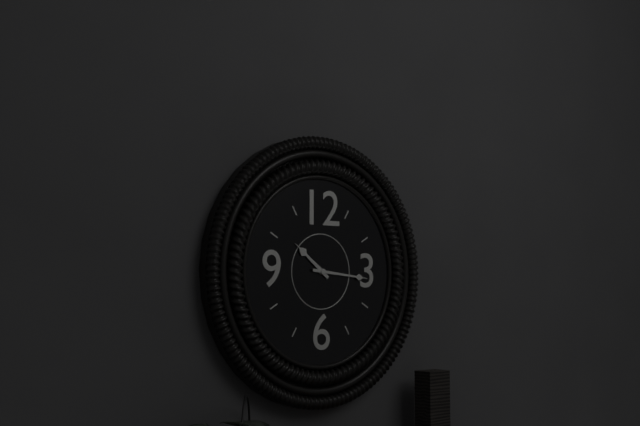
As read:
10:16
